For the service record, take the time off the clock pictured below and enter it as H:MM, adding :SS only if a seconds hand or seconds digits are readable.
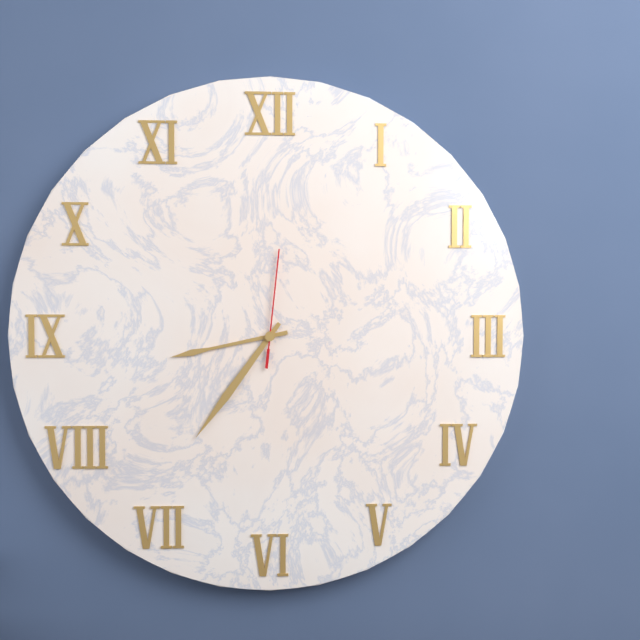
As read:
8:36:01
